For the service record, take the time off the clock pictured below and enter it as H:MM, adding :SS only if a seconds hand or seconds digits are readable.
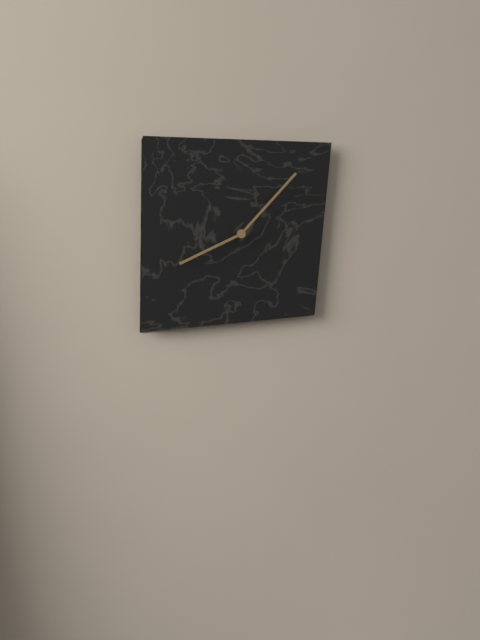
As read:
8:07
